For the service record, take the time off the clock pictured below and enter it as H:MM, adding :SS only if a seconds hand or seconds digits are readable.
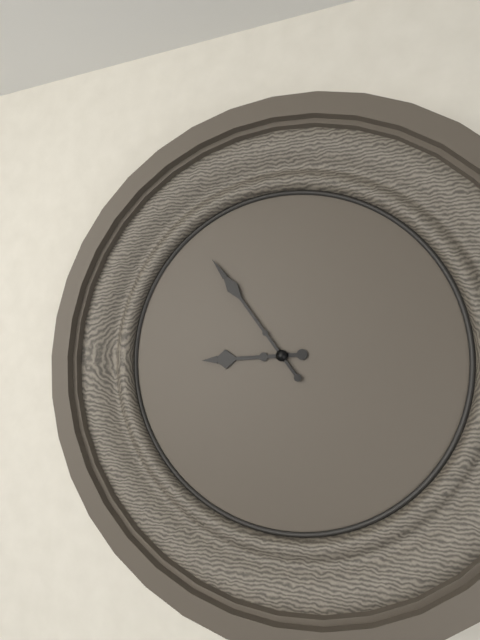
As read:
8:54
